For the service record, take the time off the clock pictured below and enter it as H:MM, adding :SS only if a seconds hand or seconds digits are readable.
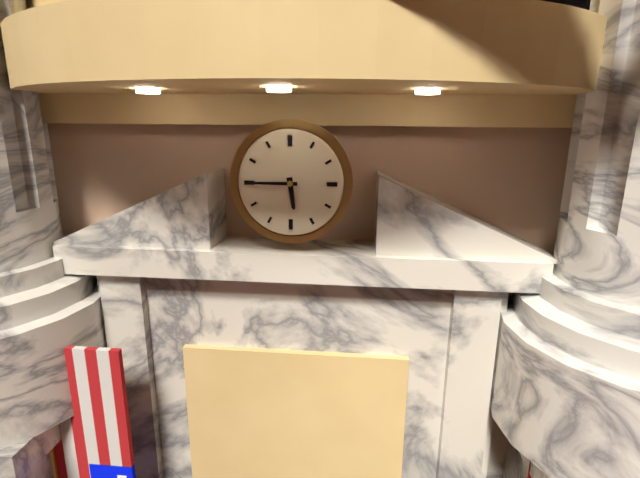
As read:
5:45
